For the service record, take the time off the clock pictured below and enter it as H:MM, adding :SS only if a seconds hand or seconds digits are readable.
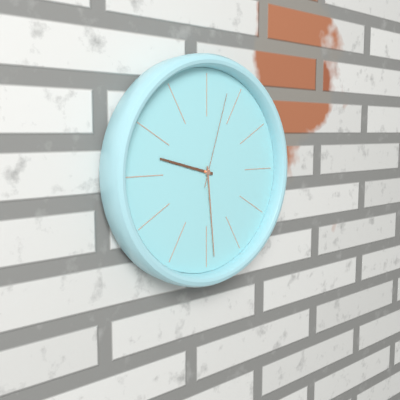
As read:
9:29:03
